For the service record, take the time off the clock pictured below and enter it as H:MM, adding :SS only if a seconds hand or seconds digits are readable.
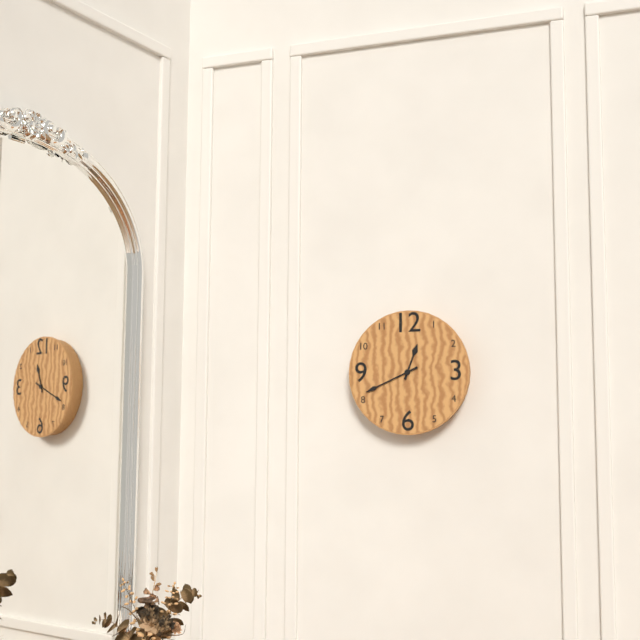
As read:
12:41
